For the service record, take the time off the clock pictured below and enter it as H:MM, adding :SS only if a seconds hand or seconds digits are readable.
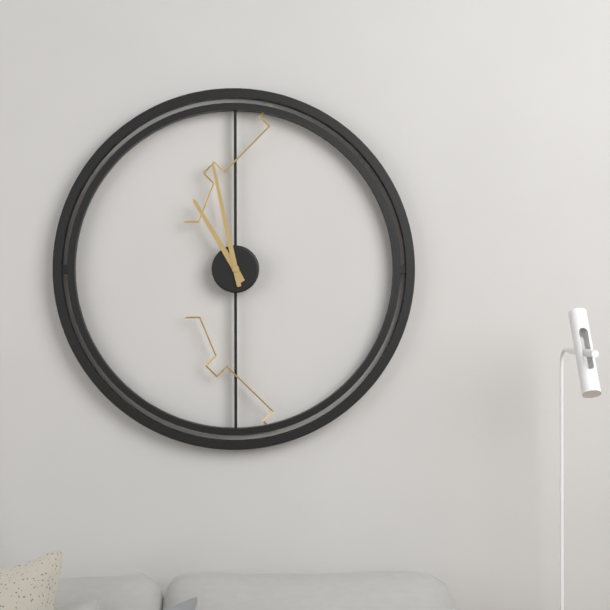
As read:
10:58
